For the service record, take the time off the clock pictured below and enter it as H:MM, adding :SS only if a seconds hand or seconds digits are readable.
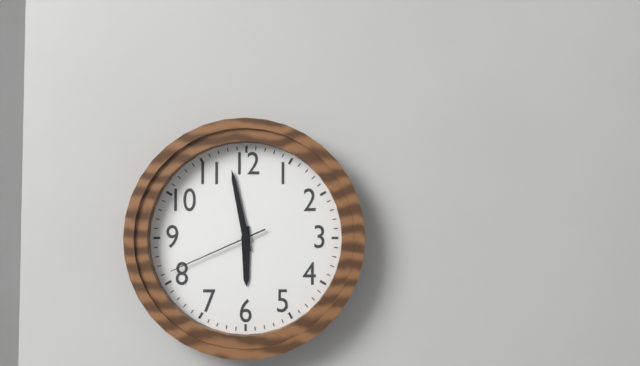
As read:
5:58:41
